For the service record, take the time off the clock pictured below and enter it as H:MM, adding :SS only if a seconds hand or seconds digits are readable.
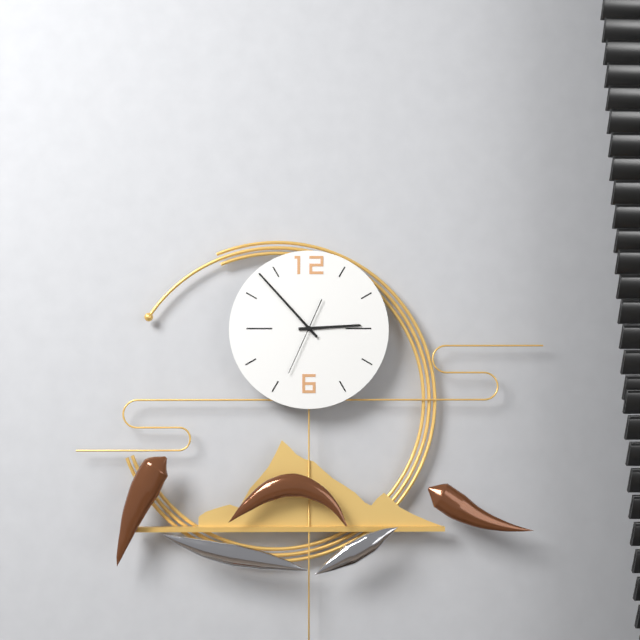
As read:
2:53:34
